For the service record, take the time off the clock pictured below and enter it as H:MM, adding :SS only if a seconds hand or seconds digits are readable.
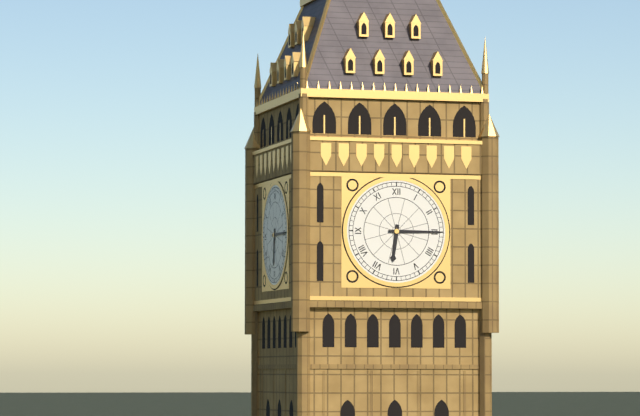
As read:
6:15
